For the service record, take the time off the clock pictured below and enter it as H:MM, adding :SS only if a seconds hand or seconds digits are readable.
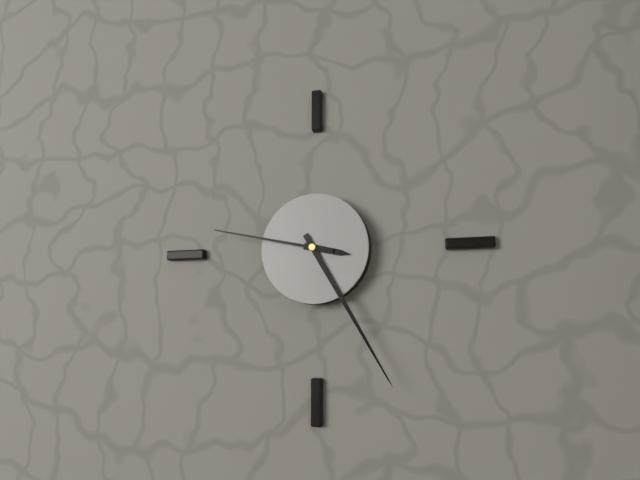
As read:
3:25:47
